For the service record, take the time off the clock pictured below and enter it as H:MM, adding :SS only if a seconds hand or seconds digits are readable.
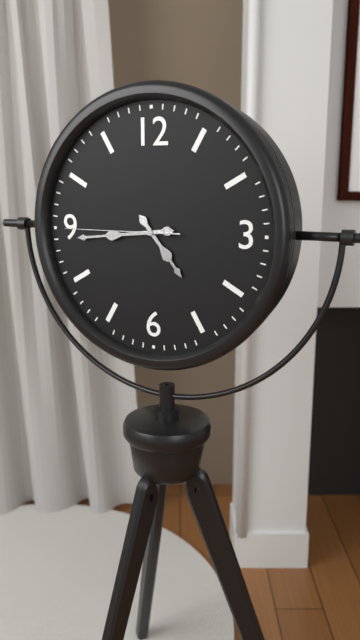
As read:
4:44:45
